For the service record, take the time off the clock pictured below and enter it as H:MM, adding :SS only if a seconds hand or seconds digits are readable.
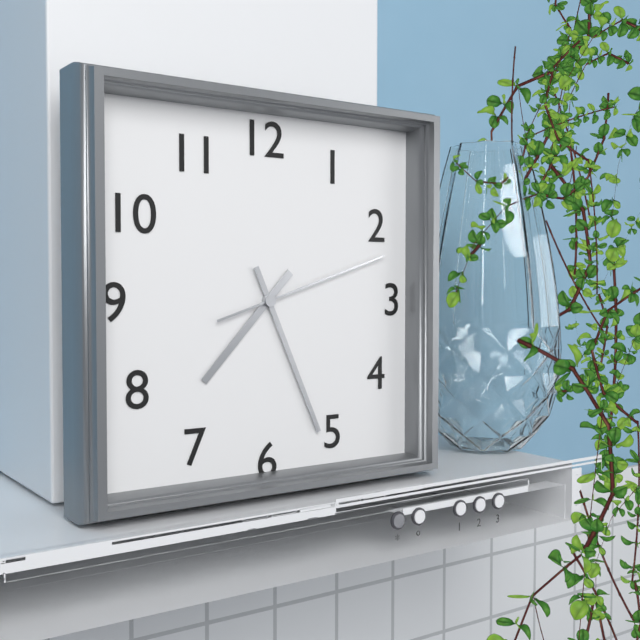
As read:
7:26:12
